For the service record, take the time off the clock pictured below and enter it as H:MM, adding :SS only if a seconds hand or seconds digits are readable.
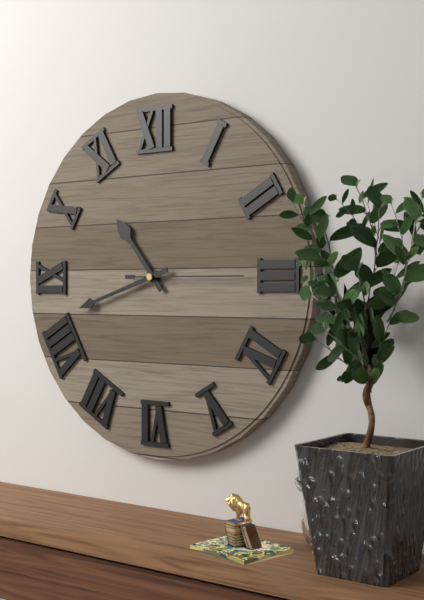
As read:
10:42:15
